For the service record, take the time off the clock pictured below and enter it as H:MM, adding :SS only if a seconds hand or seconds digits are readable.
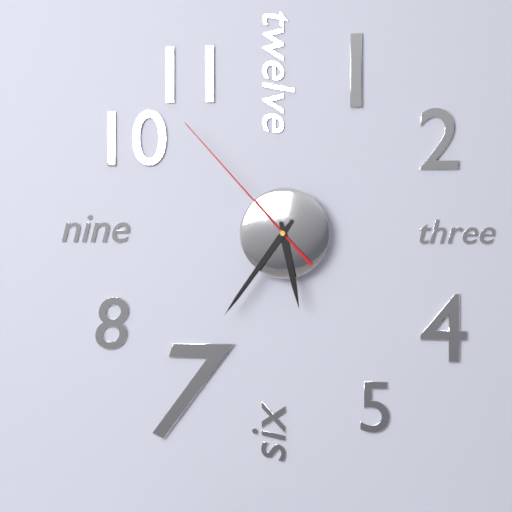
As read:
5:36:53
